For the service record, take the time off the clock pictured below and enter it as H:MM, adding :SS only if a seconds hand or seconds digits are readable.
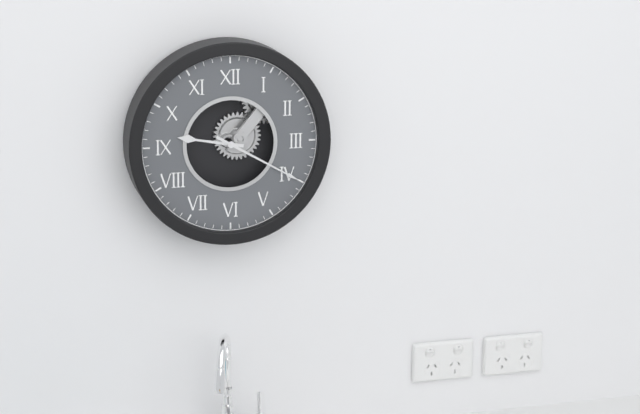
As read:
9:20
